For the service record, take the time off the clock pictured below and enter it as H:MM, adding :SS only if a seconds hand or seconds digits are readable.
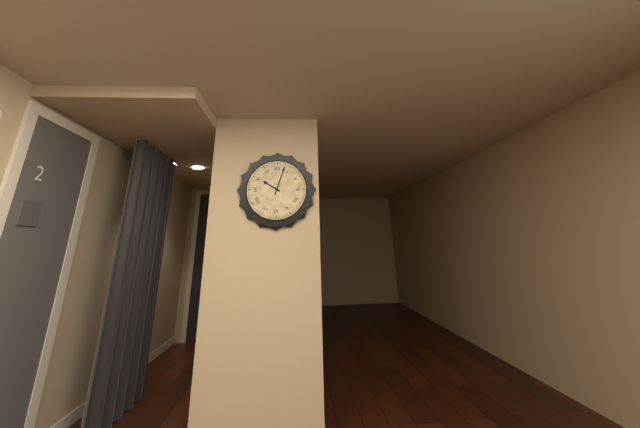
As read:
10:03
